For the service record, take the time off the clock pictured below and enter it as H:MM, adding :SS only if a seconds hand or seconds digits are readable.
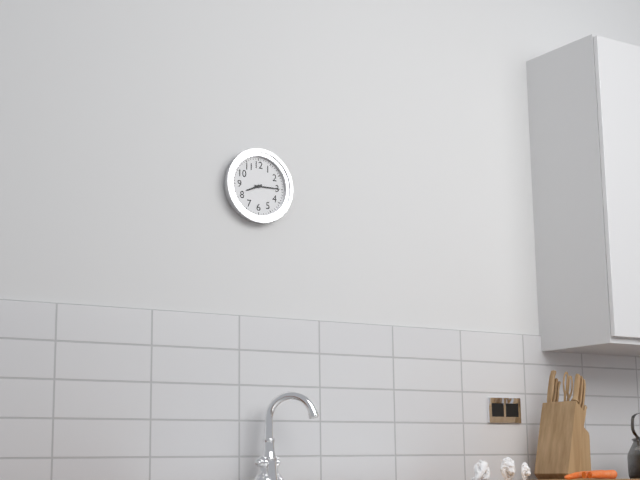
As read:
8:15
